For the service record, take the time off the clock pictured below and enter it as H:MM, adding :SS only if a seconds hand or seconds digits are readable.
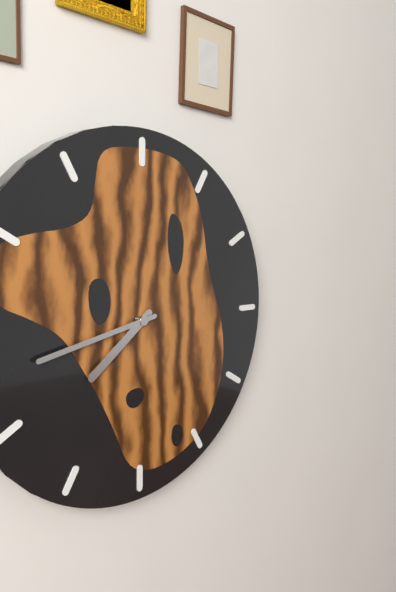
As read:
7:43
